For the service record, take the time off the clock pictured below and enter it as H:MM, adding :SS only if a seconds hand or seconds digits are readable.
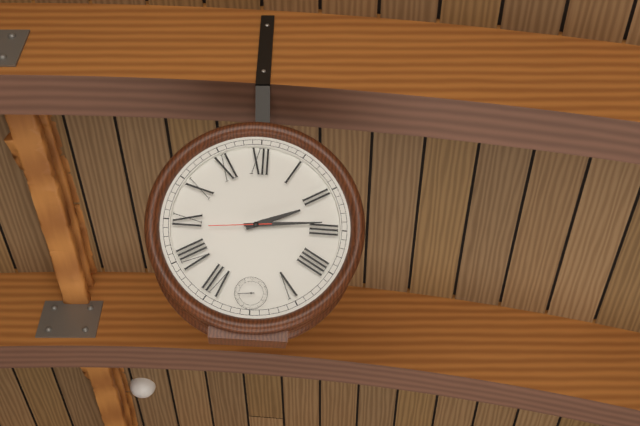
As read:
2:14:44
